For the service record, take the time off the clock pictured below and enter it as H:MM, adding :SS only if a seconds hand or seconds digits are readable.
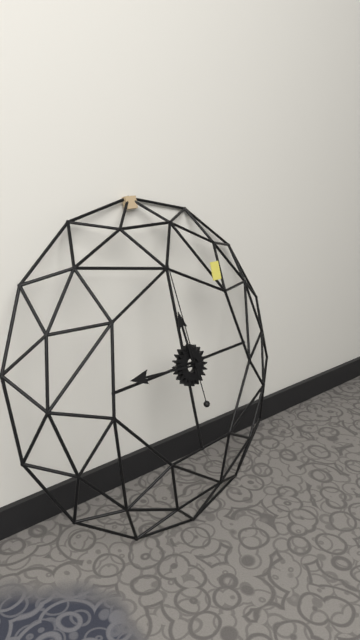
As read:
11:46:59
